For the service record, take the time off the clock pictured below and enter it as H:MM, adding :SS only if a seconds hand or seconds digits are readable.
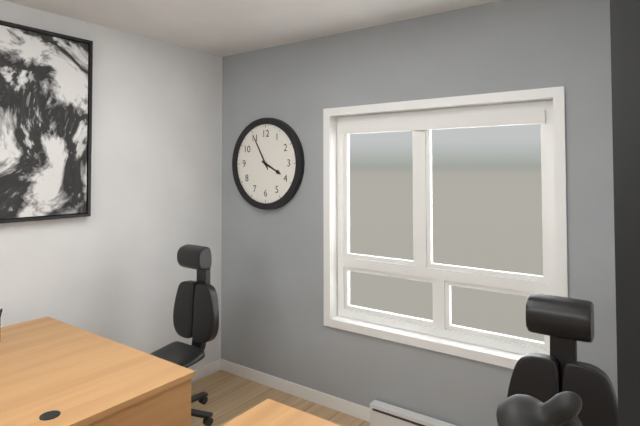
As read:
3:55
